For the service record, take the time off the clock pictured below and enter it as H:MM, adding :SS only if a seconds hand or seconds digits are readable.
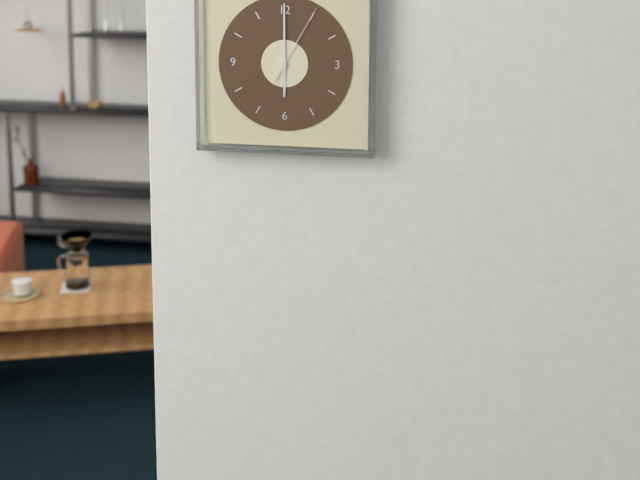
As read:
6:00:05
